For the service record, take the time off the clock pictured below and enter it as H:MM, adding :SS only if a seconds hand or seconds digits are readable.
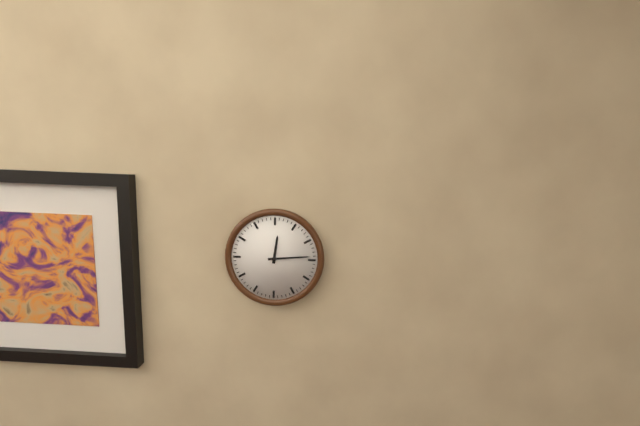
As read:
12:14
